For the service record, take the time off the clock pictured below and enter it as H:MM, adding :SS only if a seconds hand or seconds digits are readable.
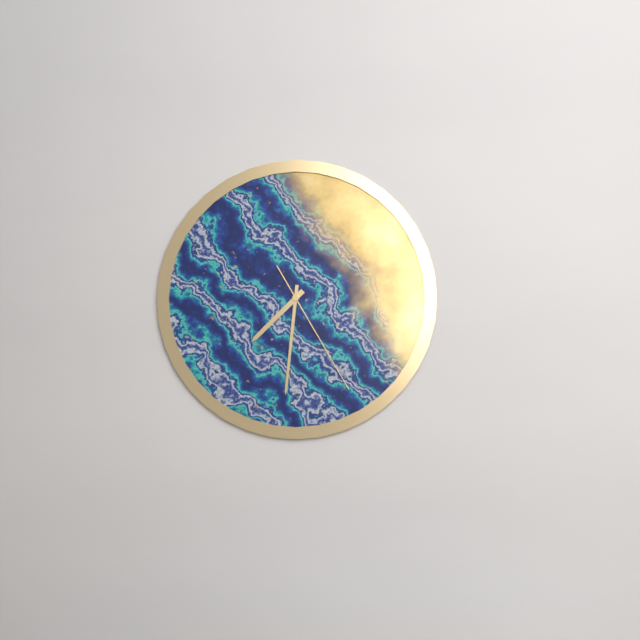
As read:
7:31:25
